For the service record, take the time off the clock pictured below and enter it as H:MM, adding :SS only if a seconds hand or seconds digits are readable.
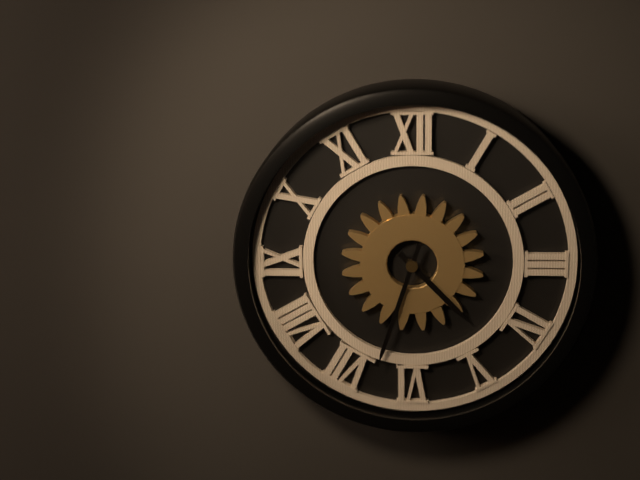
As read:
4:33
